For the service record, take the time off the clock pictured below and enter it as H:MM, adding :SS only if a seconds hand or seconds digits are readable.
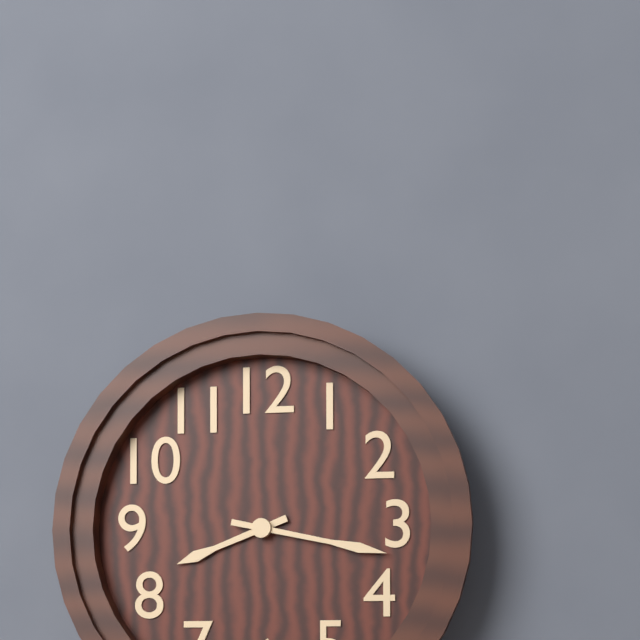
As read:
8:17
